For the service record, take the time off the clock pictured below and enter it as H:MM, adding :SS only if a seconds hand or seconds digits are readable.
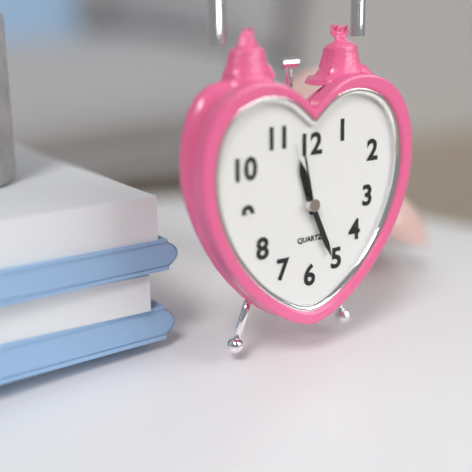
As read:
11:26:58
